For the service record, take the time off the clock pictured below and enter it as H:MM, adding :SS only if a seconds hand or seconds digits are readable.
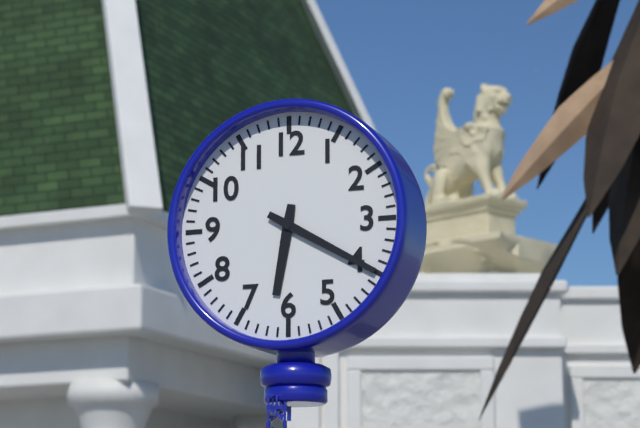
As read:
6:20
